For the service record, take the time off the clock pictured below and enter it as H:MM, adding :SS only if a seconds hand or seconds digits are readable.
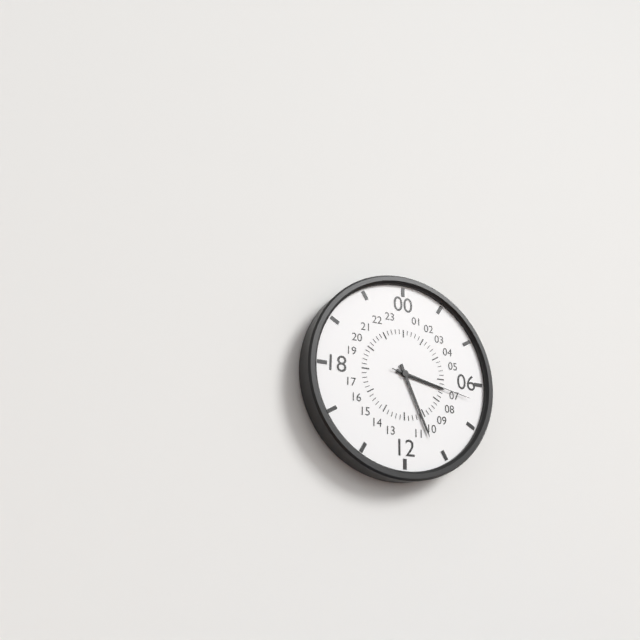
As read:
3:26:17
